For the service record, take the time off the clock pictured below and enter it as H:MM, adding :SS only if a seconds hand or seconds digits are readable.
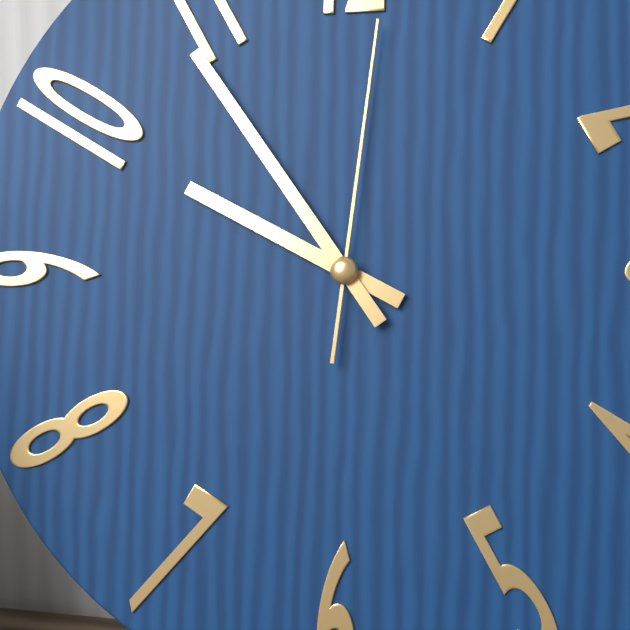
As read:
9:54:01
